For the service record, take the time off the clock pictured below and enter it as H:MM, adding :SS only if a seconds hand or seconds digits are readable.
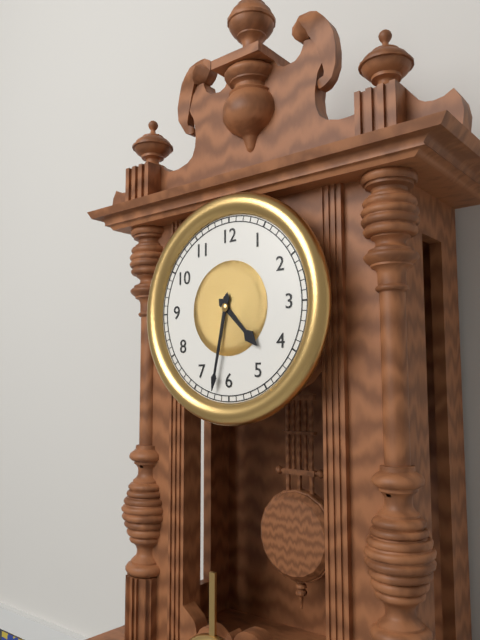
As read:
4:32
